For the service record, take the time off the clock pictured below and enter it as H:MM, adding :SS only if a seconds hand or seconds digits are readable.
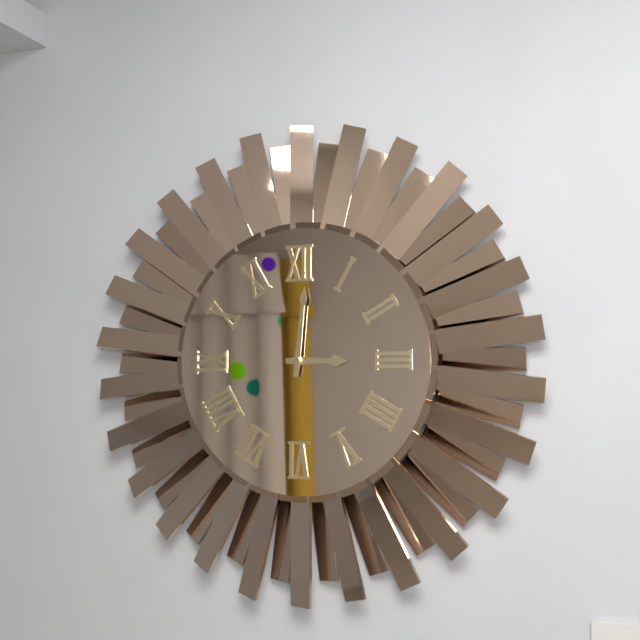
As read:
3:01
